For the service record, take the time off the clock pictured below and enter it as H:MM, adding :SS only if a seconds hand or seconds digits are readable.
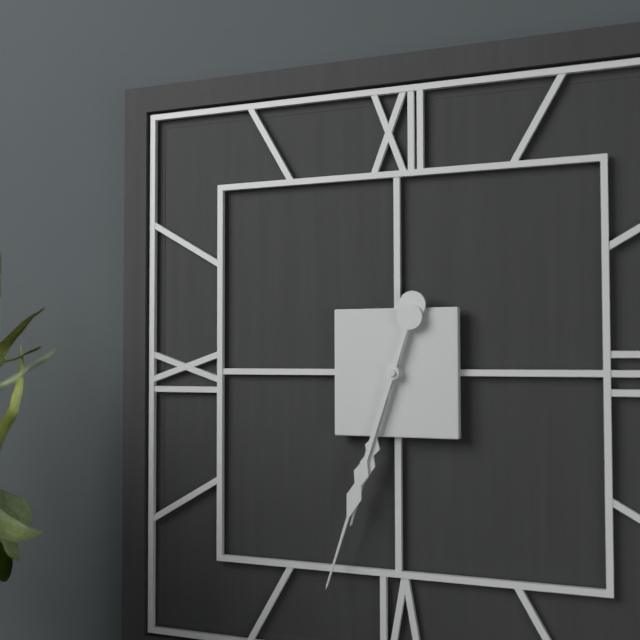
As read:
6:33
